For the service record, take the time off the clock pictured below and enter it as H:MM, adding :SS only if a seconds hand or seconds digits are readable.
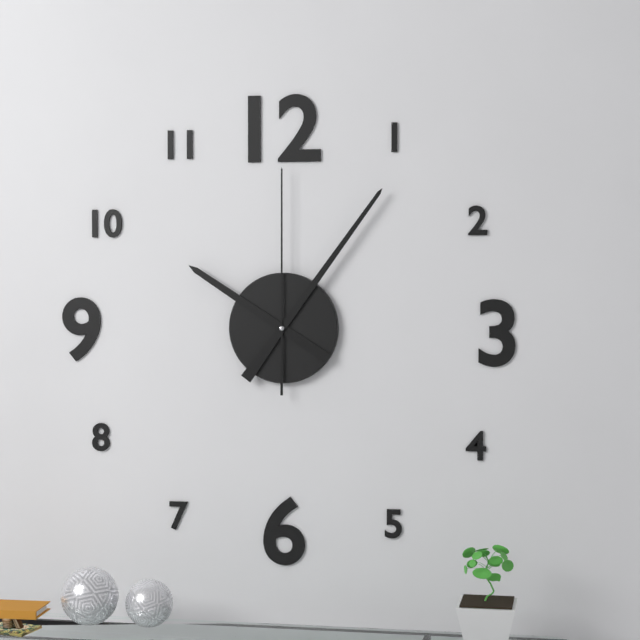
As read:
10:06:00
